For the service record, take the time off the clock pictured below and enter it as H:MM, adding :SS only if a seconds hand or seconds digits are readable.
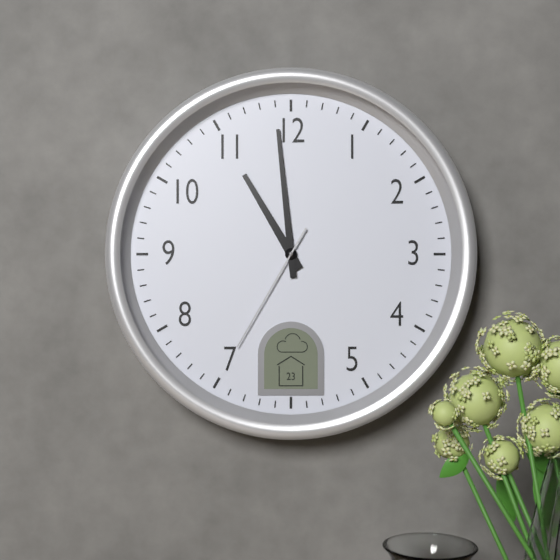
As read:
10:59:35
